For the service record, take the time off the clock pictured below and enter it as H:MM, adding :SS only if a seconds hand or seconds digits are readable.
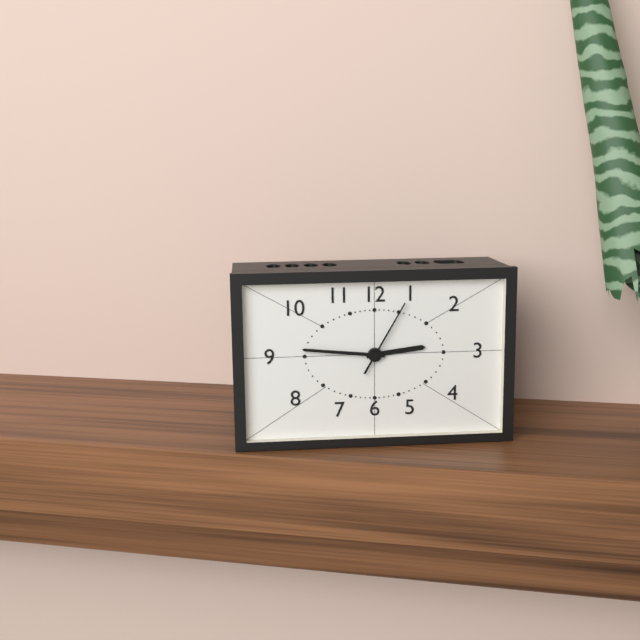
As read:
2:46:05
